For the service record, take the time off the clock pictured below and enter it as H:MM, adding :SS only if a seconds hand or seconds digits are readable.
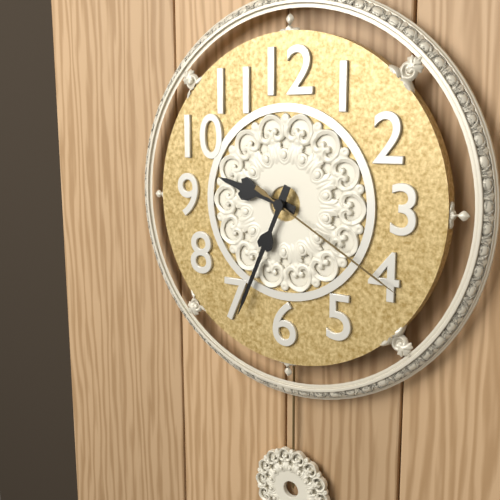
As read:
9:34:20
